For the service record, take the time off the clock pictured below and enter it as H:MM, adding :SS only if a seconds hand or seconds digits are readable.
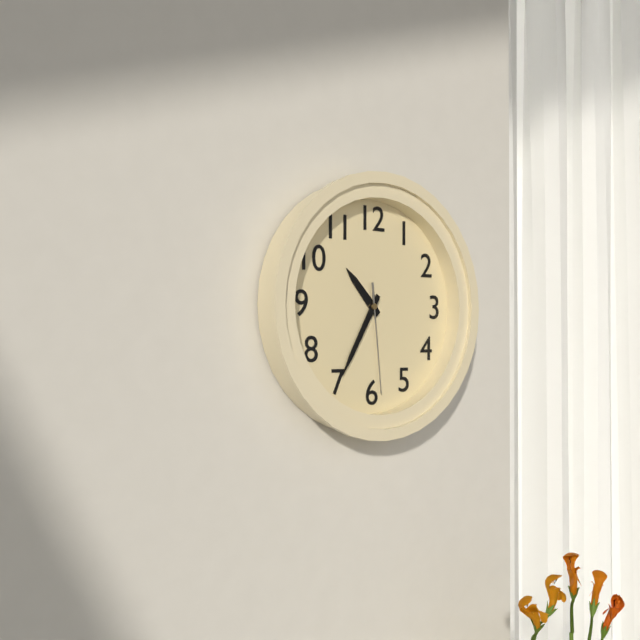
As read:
10:35:29
